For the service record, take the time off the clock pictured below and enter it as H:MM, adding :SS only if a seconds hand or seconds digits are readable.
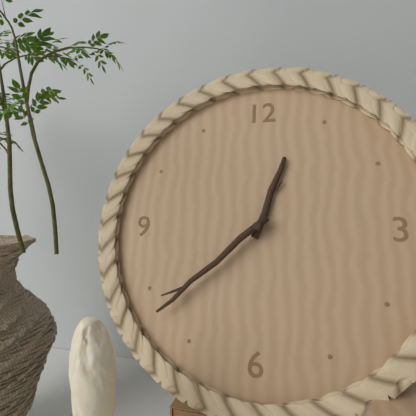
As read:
12:38
